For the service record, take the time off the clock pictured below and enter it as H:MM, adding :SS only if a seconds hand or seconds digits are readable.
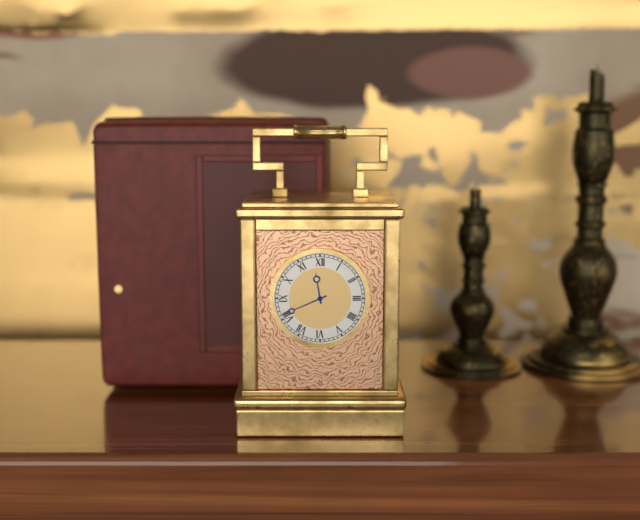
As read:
11:41
